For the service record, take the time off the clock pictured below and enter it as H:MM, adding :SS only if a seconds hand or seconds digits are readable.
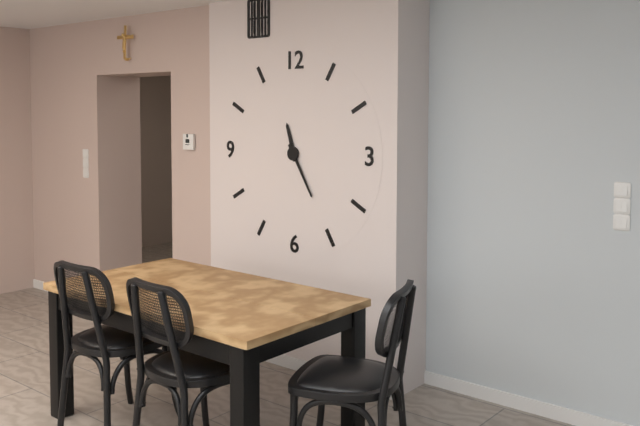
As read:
11:25
